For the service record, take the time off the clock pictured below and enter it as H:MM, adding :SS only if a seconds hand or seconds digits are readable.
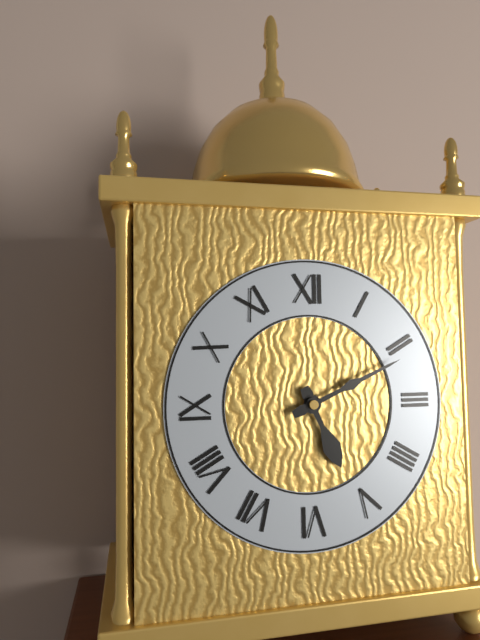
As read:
5:11
